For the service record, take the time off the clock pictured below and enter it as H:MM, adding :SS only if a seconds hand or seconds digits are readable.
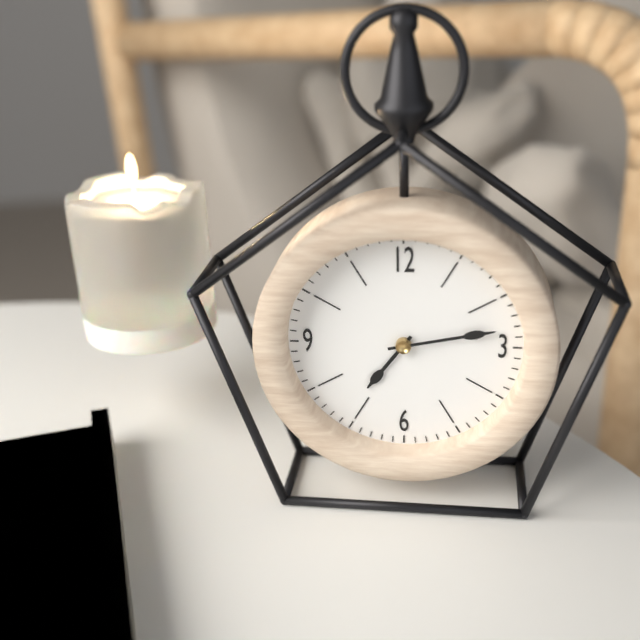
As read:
7:13
